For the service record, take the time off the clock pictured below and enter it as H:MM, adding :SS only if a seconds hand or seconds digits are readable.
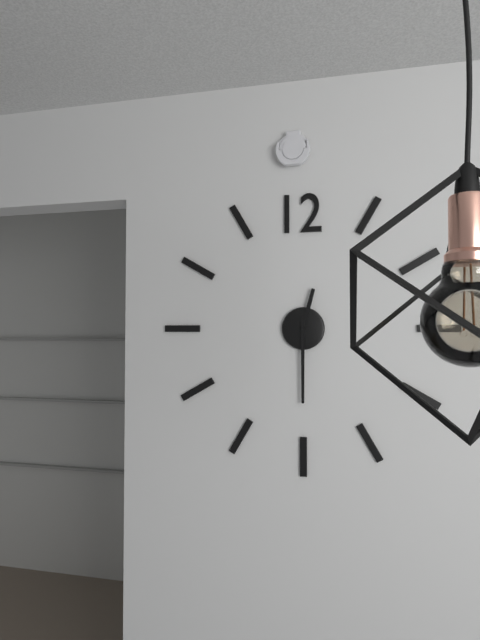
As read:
12:30
